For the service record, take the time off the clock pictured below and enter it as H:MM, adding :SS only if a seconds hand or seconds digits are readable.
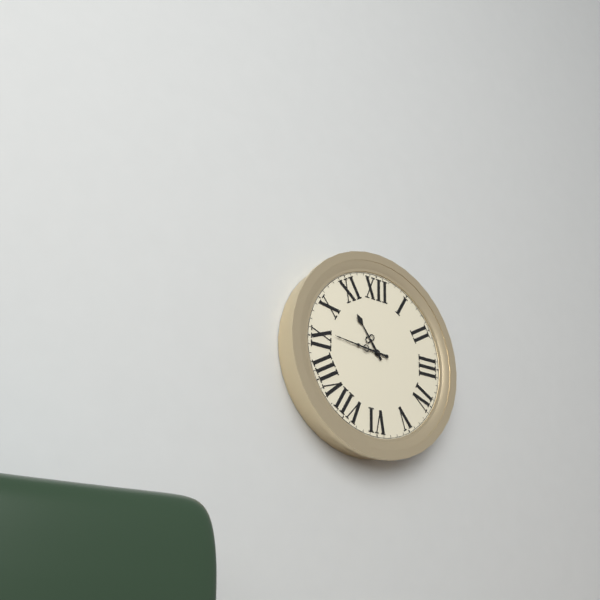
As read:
10:46
